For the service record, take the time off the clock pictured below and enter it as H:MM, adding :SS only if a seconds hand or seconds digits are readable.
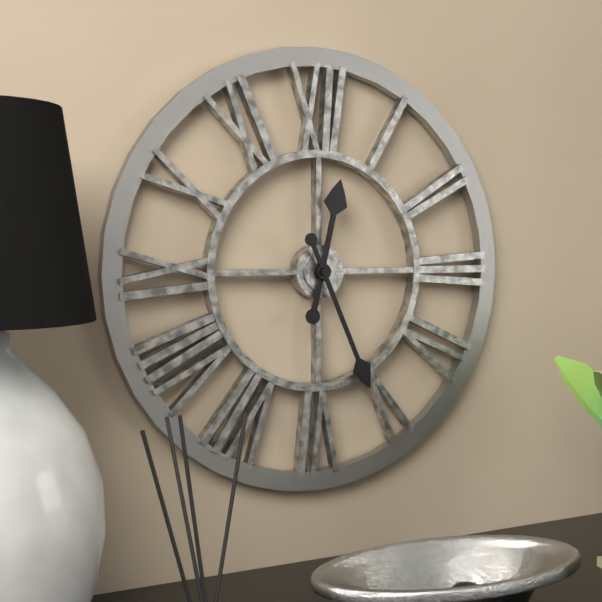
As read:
12:26
